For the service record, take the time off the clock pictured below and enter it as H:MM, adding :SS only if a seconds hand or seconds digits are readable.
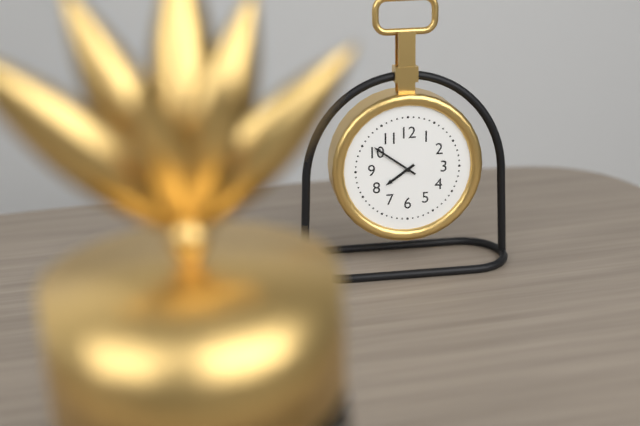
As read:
7:51
